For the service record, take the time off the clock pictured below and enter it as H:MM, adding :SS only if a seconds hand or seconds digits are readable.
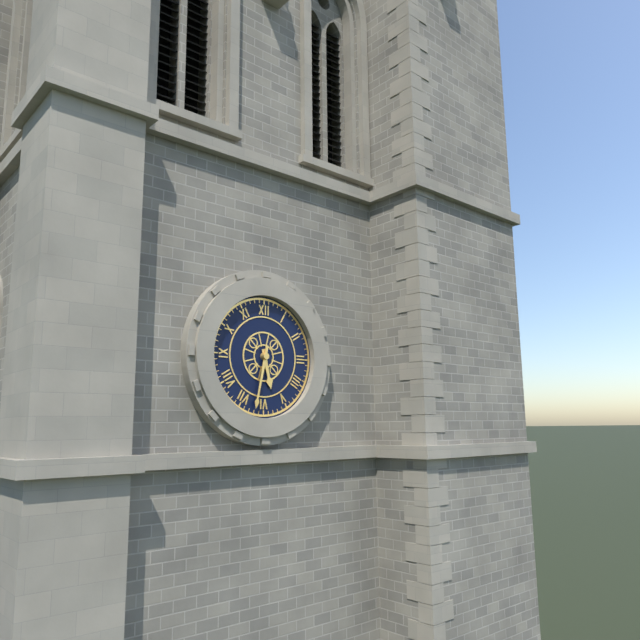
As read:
5:32
